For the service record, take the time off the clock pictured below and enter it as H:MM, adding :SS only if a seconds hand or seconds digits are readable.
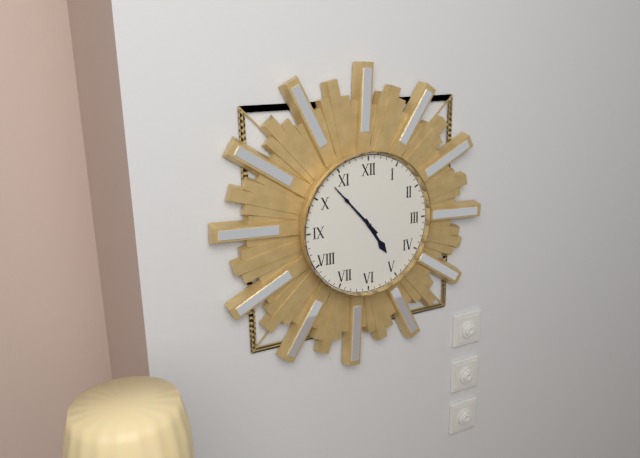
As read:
4:53
